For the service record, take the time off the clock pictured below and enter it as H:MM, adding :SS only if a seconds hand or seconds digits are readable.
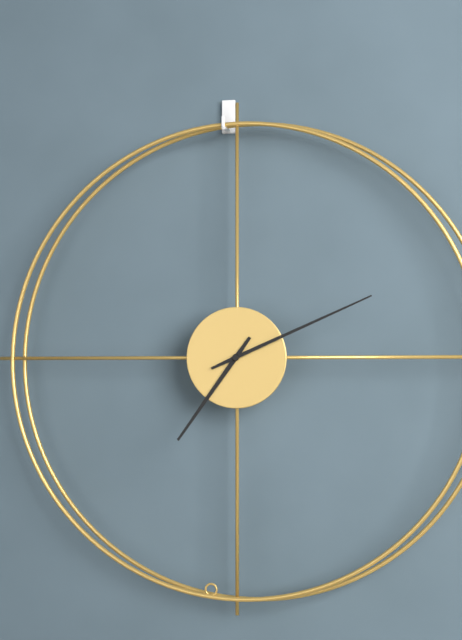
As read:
7:11
